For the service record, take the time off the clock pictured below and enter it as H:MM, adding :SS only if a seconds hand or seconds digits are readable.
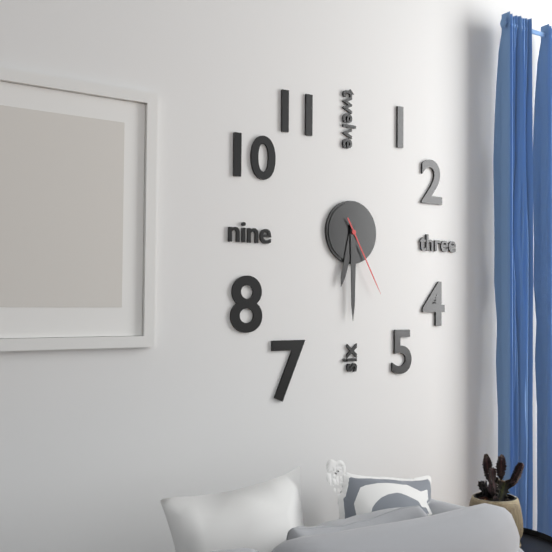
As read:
6:30:25
